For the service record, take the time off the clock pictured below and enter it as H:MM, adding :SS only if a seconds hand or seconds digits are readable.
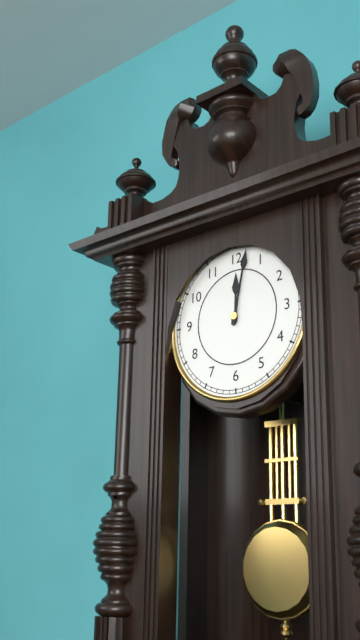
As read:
12:02
